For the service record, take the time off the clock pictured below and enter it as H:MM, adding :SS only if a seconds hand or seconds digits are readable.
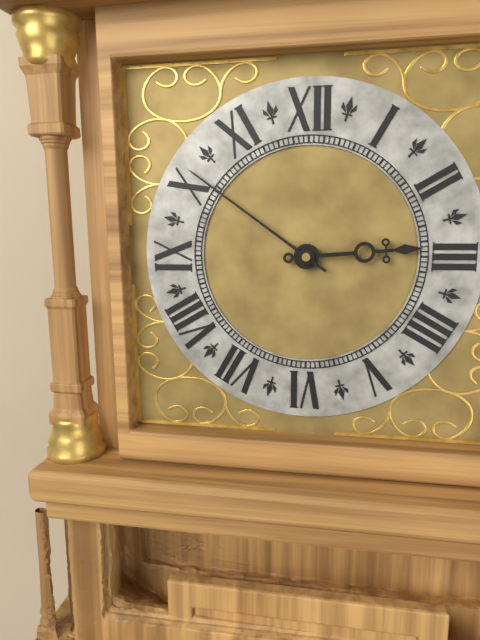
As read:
2:51
